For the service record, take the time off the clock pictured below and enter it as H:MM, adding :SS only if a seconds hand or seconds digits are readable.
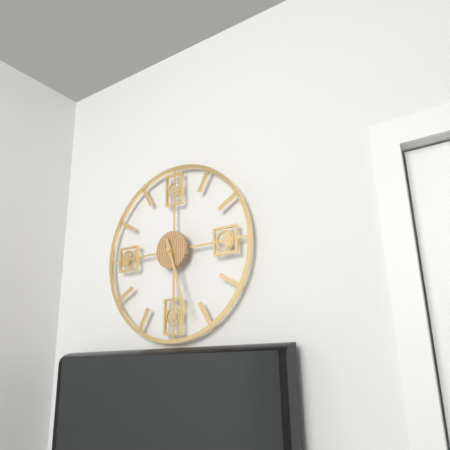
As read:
5:27
